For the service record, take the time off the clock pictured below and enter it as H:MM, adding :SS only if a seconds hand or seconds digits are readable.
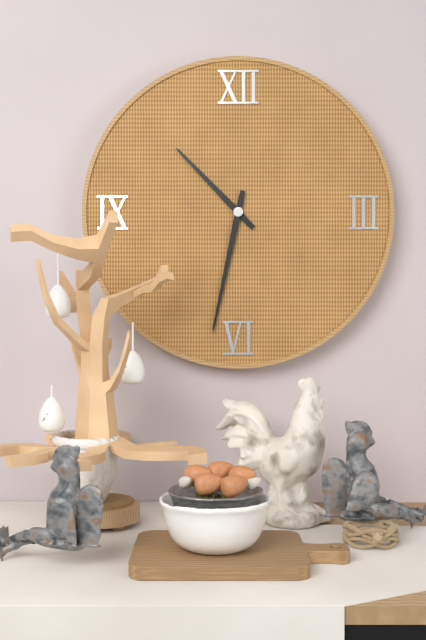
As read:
10:32
